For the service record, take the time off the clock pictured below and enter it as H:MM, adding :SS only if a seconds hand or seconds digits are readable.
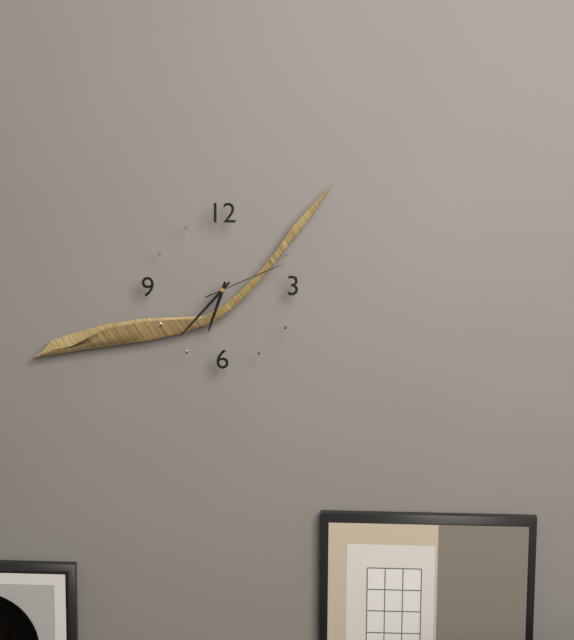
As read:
6:37:11
